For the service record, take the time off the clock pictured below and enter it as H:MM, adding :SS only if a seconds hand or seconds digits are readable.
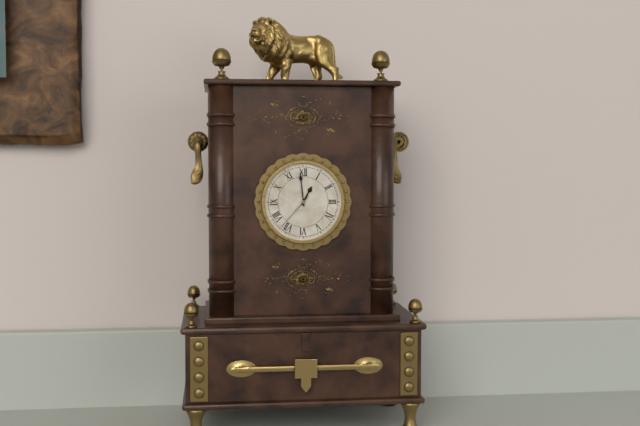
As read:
12:59
